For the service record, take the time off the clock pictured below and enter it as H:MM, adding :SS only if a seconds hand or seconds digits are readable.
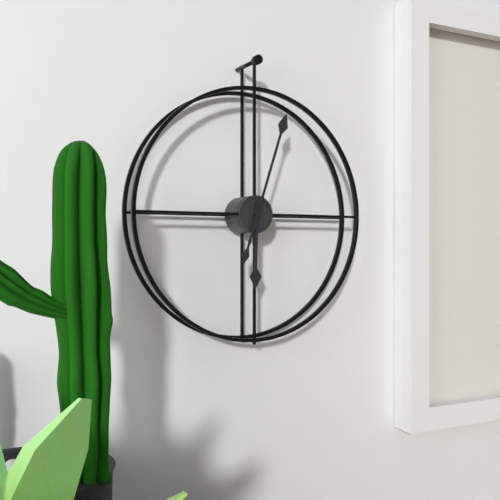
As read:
6:03
